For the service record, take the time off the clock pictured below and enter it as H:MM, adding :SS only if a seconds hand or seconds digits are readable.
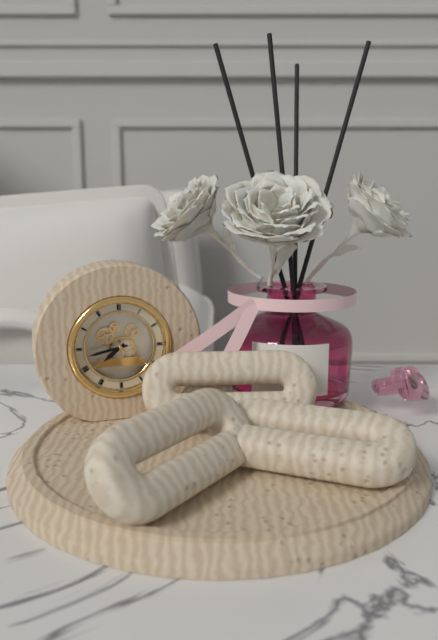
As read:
7:43
